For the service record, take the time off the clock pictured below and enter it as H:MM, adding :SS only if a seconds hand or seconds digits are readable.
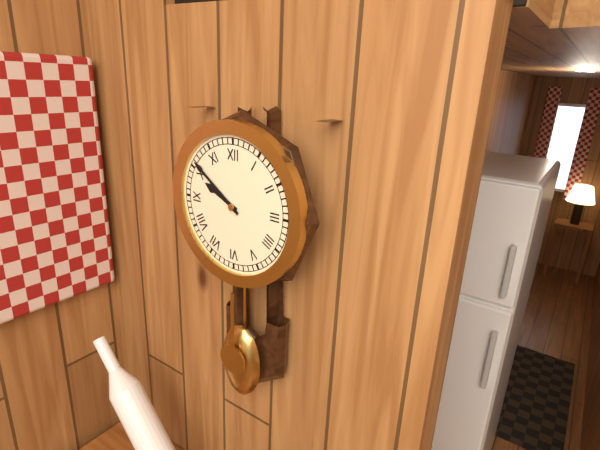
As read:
9:51
